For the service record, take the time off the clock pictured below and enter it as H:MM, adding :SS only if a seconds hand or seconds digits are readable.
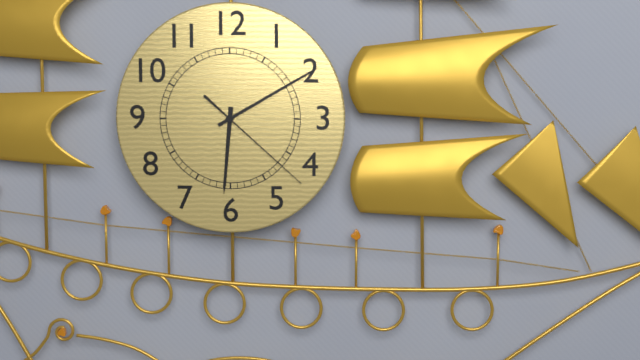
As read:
6:10:22
